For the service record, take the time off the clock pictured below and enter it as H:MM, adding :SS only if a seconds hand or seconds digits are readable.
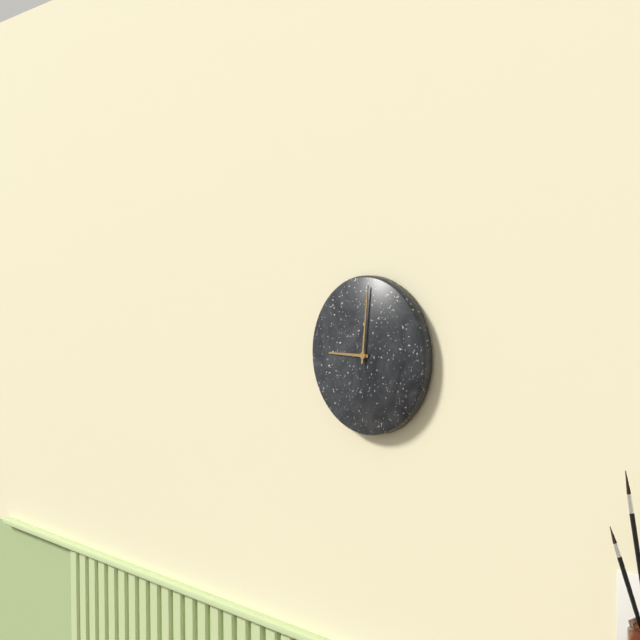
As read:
9:01
